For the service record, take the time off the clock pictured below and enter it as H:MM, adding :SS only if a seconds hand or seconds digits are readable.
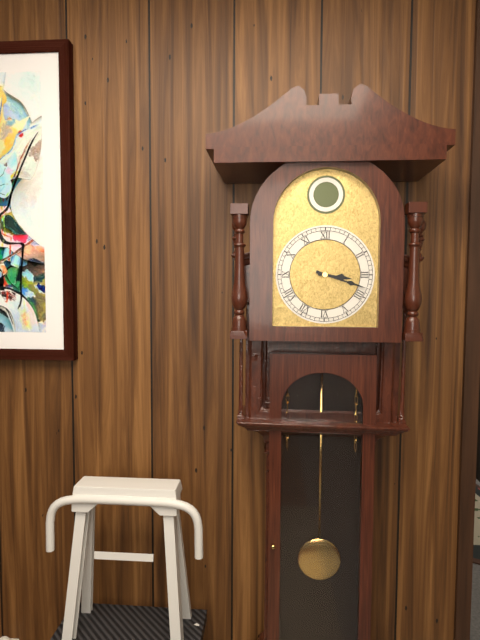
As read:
3:18
